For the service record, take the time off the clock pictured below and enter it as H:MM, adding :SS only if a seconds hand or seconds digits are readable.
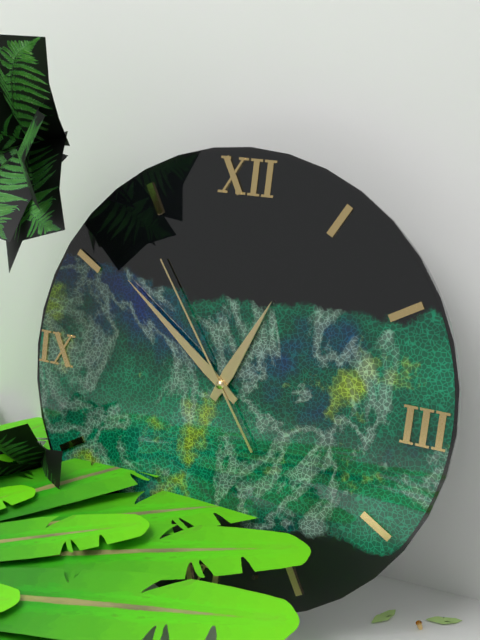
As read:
12:51:54
